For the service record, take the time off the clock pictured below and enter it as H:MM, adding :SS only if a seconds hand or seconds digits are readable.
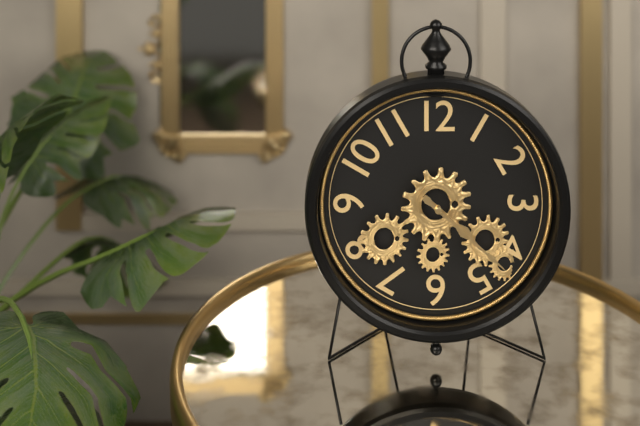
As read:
4:22
